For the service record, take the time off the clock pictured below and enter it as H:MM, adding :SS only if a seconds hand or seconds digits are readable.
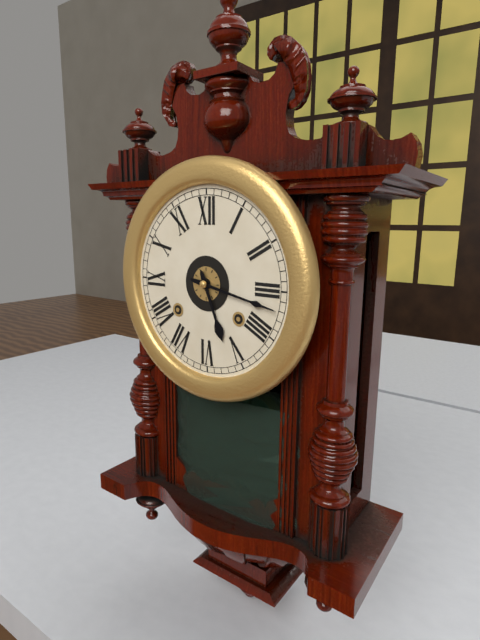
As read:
5:17
